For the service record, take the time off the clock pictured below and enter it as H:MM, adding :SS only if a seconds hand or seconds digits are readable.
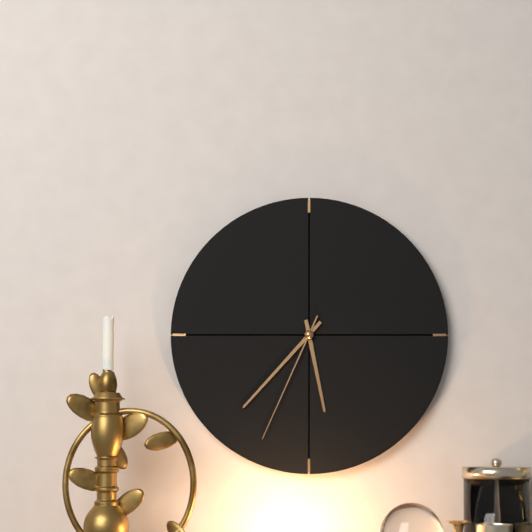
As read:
5:37:34
